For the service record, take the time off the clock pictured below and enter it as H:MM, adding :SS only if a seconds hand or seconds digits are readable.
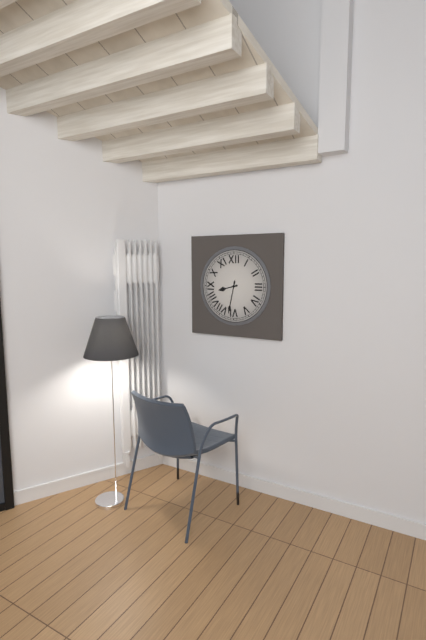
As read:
8:32
